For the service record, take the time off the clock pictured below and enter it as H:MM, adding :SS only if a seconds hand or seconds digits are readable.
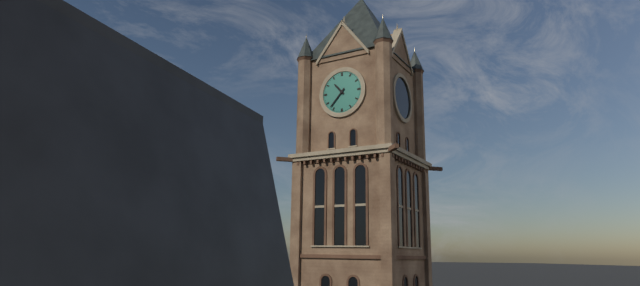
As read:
10:37
